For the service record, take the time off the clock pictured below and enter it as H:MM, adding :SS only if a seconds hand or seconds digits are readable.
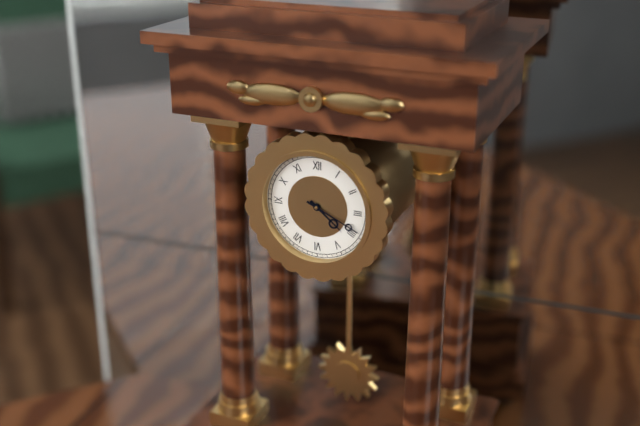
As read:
4:19
